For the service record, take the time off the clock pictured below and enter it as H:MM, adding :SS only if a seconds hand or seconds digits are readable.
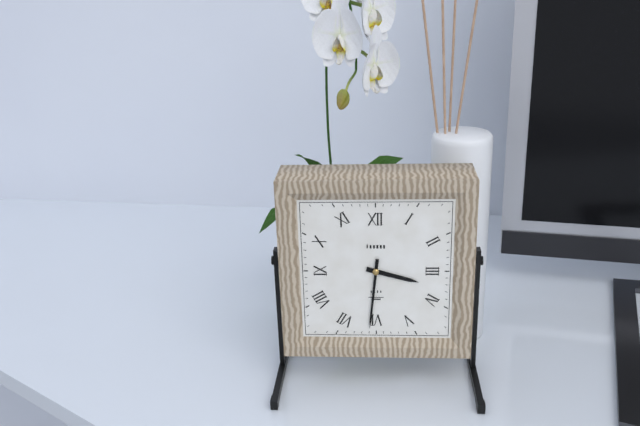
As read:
3:31
